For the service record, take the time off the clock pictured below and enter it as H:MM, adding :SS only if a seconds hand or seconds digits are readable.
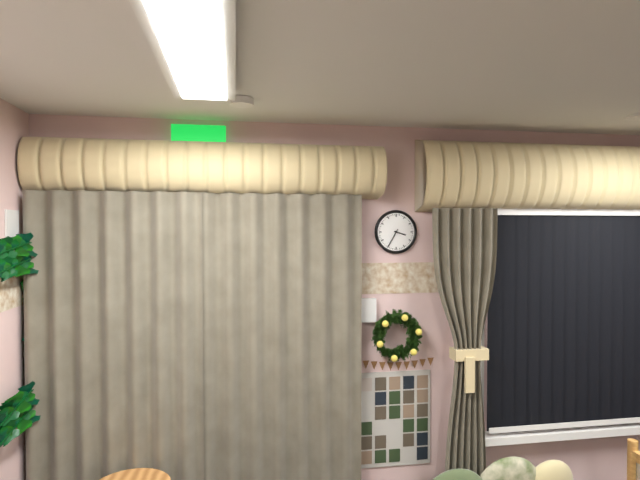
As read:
3:35
